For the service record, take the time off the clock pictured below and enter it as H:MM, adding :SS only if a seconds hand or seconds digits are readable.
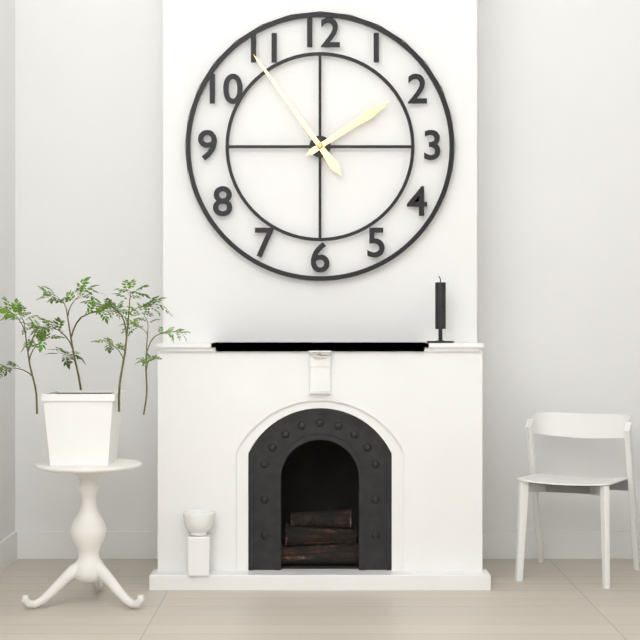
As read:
1:54
